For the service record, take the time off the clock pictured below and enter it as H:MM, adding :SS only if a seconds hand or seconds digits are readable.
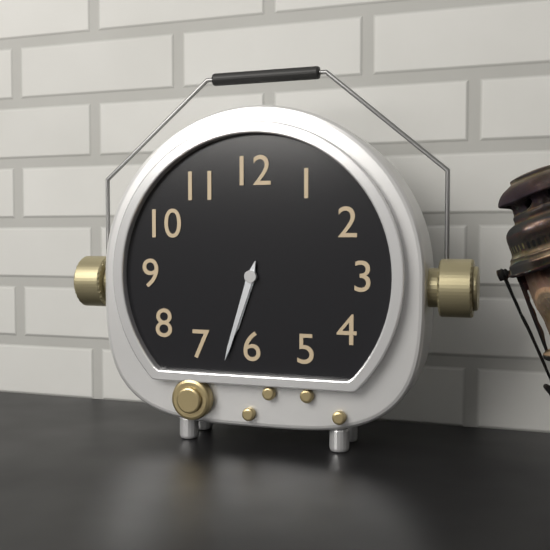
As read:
6:33
